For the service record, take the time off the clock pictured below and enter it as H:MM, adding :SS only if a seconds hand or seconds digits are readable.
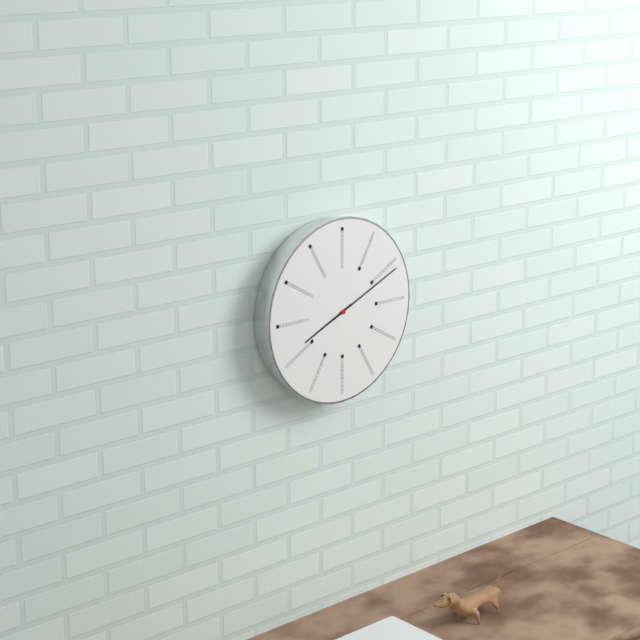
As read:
8:11
